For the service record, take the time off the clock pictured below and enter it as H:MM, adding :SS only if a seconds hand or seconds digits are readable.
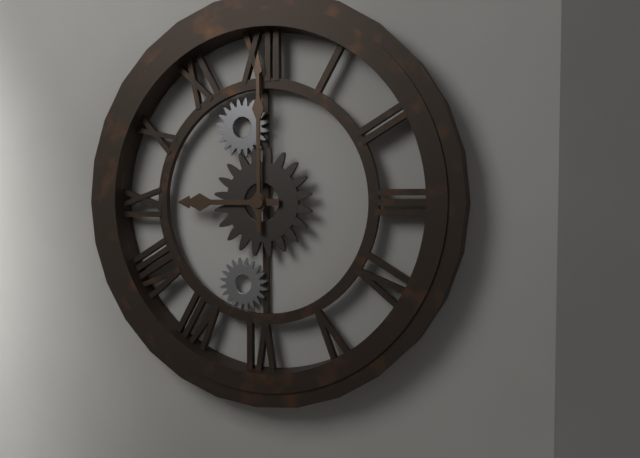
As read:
9:00
